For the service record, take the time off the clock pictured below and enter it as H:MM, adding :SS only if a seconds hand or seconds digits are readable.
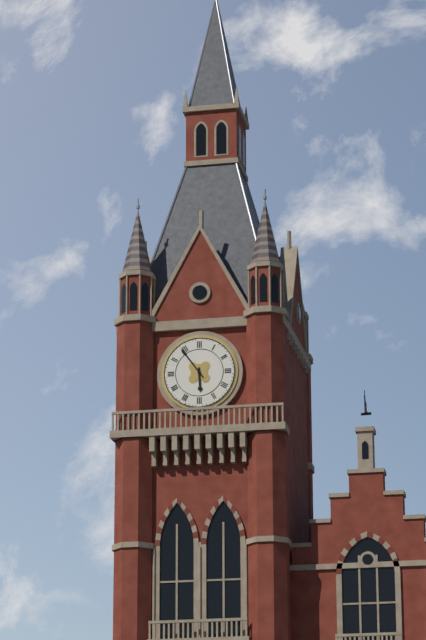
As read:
5:54
